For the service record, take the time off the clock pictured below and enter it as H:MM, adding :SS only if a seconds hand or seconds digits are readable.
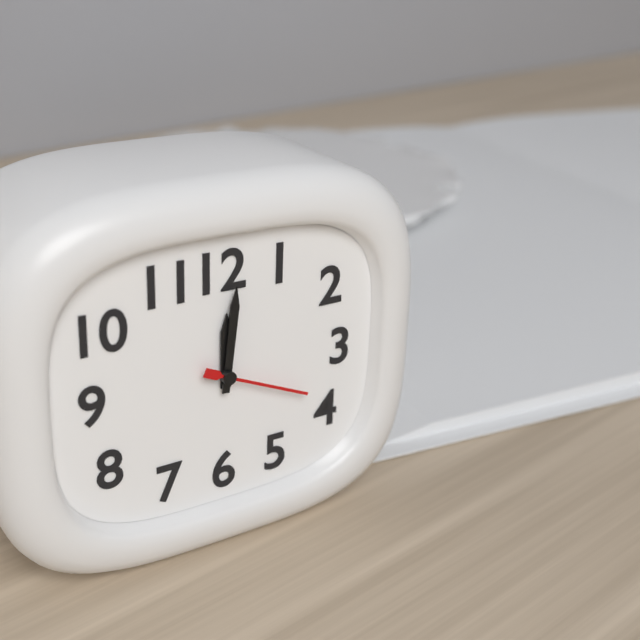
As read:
12:01:19
